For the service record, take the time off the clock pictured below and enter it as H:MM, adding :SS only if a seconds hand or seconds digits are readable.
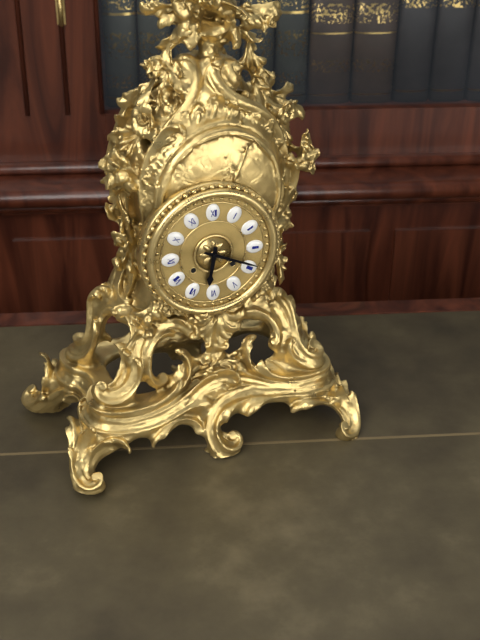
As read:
6:19
